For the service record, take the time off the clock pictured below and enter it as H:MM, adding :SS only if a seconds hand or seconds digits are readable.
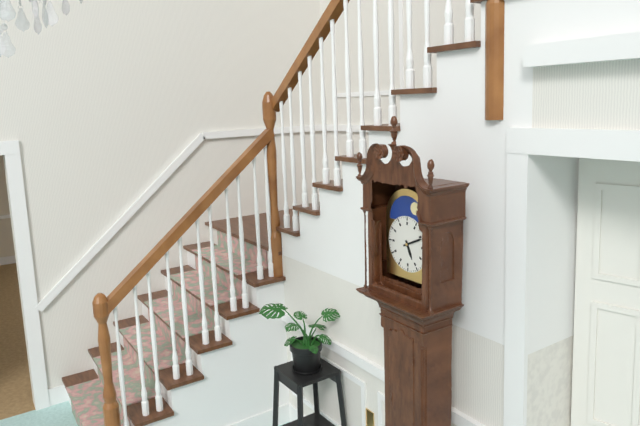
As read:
5:11
